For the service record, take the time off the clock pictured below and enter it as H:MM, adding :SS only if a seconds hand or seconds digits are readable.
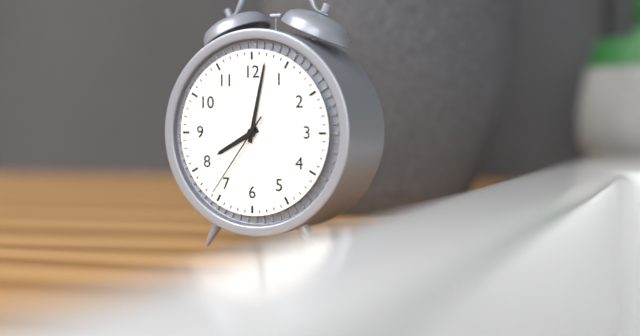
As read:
8:02:36
